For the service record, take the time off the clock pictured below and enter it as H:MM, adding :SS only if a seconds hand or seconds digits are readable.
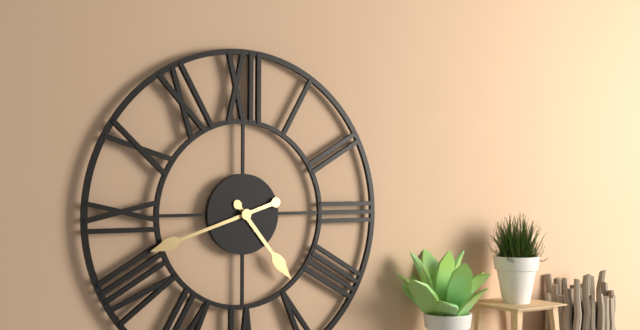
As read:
4:42
